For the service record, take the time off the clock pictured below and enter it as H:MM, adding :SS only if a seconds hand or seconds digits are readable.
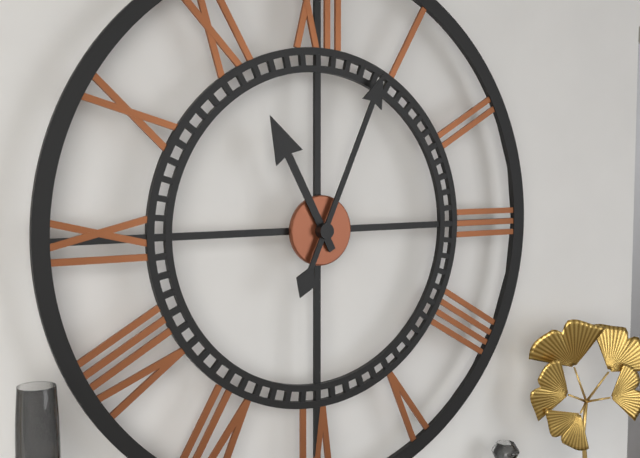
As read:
11:04
